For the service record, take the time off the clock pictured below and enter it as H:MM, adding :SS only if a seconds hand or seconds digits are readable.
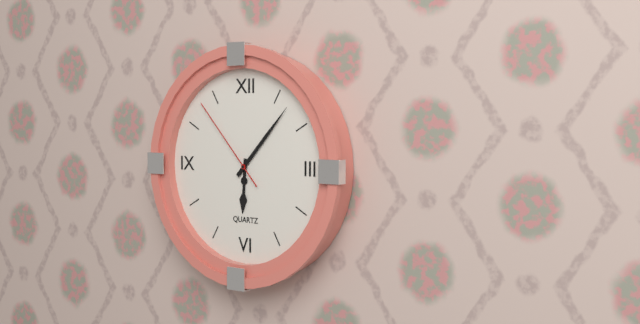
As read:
6:07:53
